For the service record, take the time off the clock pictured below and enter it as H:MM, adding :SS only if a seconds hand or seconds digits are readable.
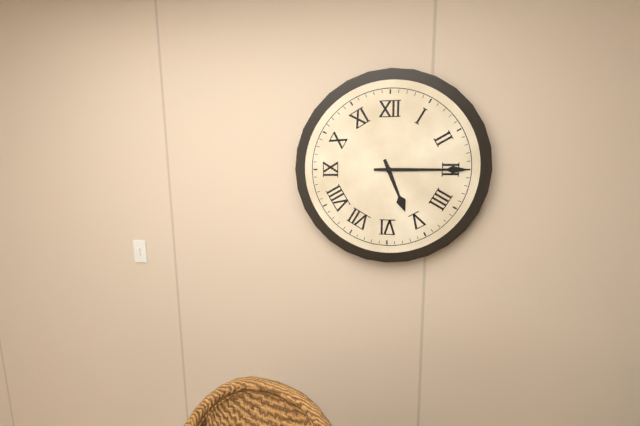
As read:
5:15
